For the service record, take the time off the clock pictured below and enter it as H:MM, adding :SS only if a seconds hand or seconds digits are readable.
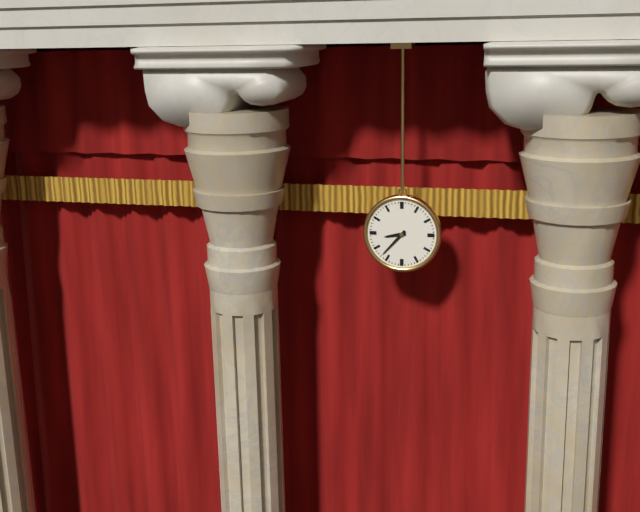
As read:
8:37
